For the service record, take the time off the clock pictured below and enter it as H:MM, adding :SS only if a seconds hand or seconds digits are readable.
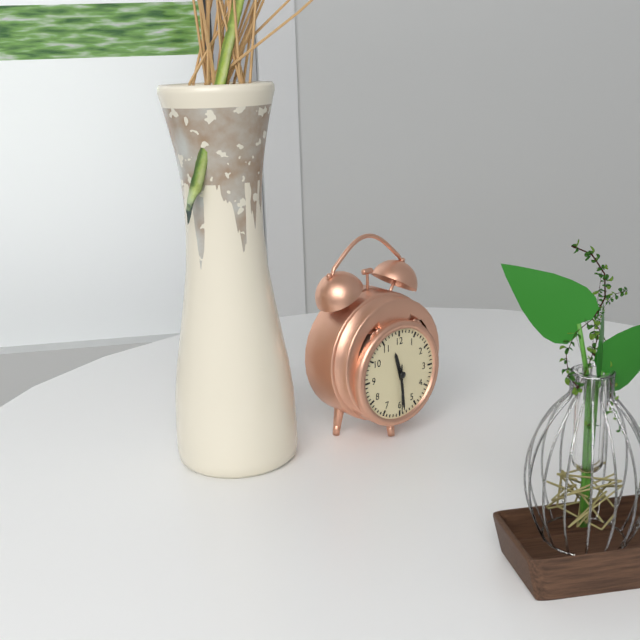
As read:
11:29
